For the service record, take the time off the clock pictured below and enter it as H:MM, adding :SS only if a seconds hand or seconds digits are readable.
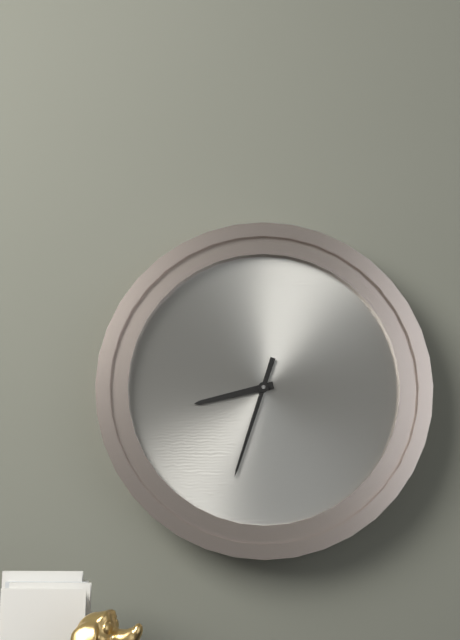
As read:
8:33
